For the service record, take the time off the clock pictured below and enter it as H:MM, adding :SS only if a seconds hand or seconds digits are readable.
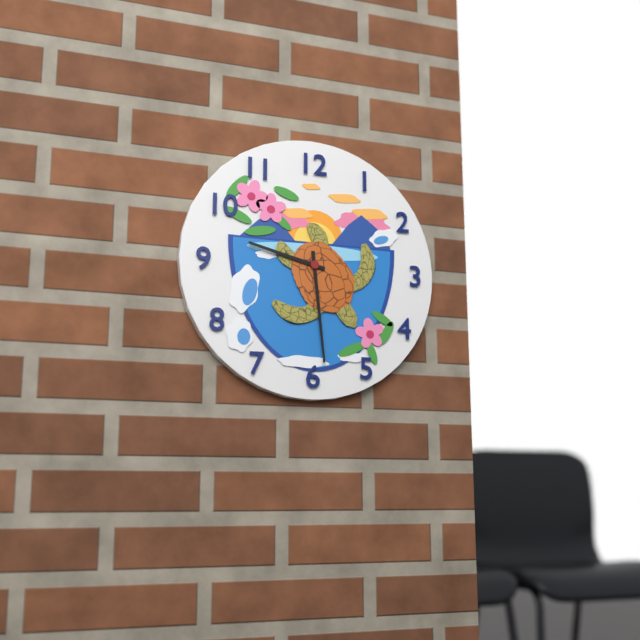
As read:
9:29
